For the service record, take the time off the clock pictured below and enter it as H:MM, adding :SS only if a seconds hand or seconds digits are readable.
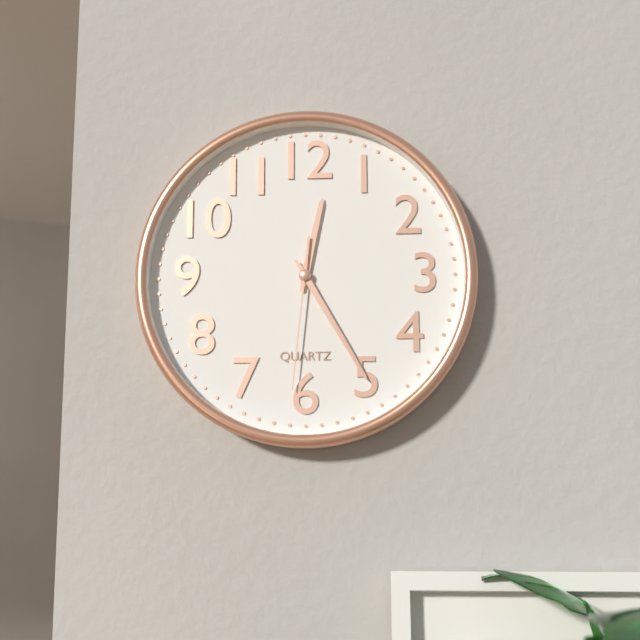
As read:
12:25:31
